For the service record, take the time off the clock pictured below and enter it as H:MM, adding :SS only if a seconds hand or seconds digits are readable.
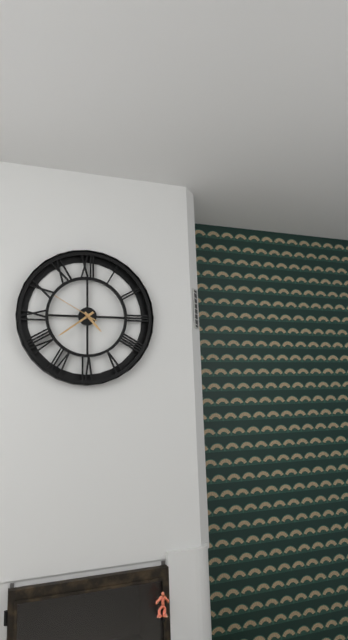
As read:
4:39
